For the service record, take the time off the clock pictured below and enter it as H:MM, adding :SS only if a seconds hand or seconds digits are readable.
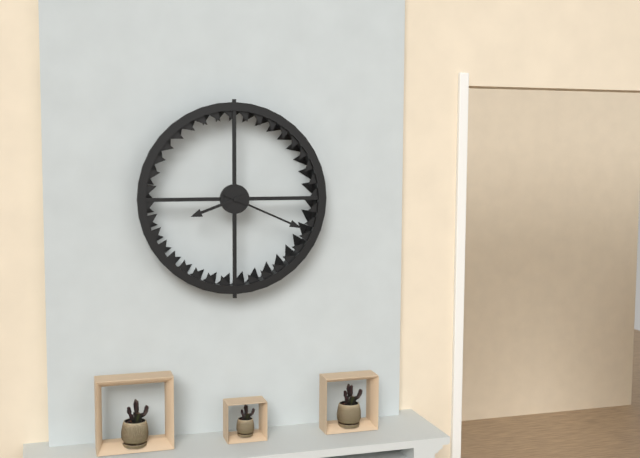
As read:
8:19
